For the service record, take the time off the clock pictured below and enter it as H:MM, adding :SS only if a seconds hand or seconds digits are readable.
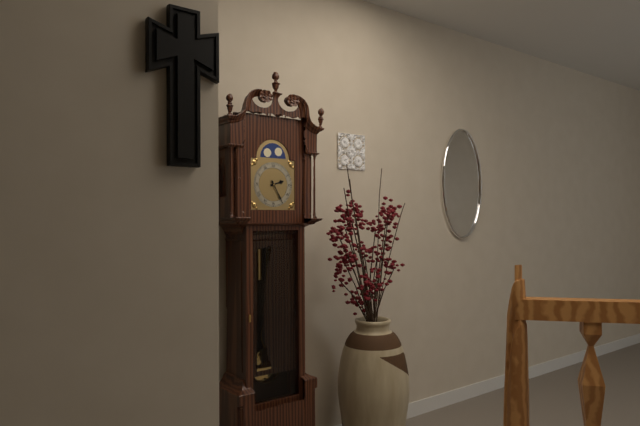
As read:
2:25
